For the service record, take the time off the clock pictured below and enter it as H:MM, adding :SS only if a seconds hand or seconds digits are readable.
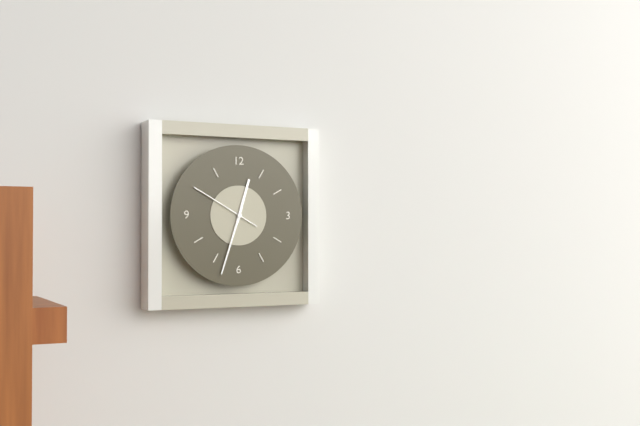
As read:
12:33:50
